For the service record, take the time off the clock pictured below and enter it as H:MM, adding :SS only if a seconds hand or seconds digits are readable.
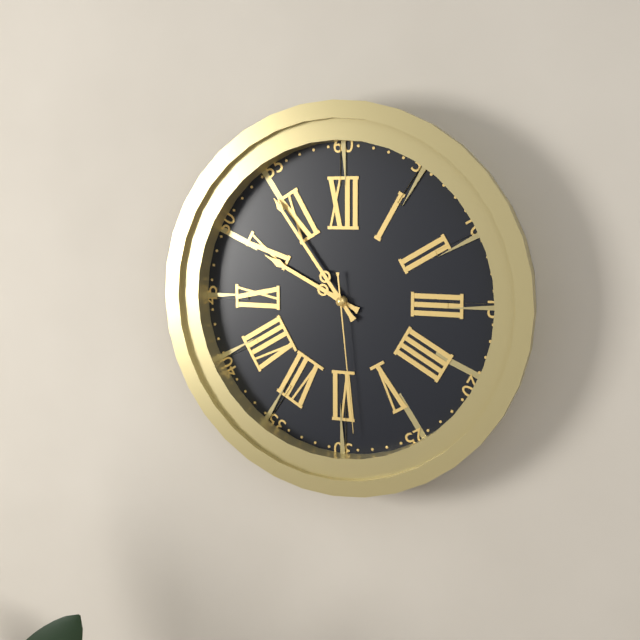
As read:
9:54:29
